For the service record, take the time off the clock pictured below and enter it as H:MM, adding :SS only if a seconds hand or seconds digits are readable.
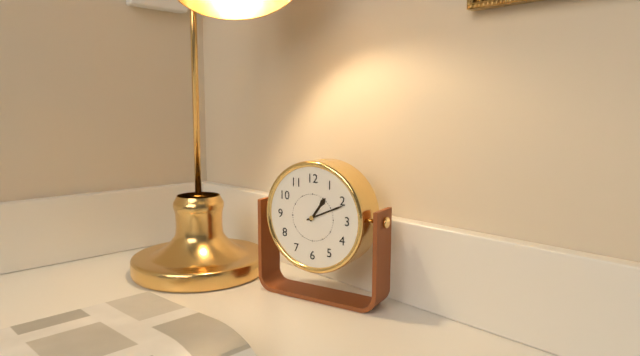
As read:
1:11
